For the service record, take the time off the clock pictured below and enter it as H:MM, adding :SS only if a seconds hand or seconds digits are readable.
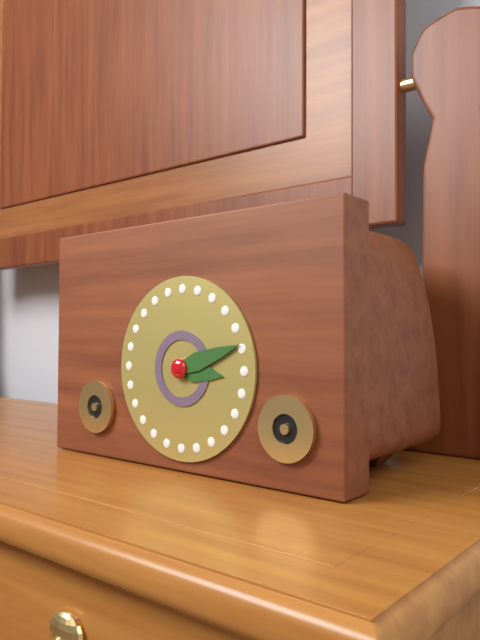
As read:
3:12
